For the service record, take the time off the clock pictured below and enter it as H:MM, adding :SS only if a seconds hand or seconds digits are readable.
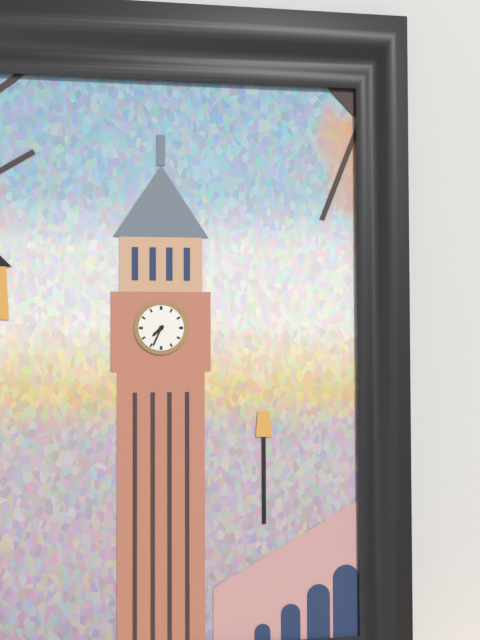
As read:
7:34
